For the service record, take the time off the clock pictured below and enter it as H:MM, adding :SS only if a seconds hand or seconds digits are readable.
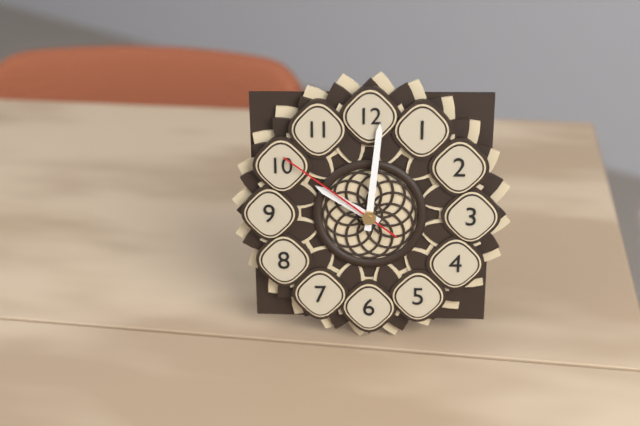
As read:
10:01:51
